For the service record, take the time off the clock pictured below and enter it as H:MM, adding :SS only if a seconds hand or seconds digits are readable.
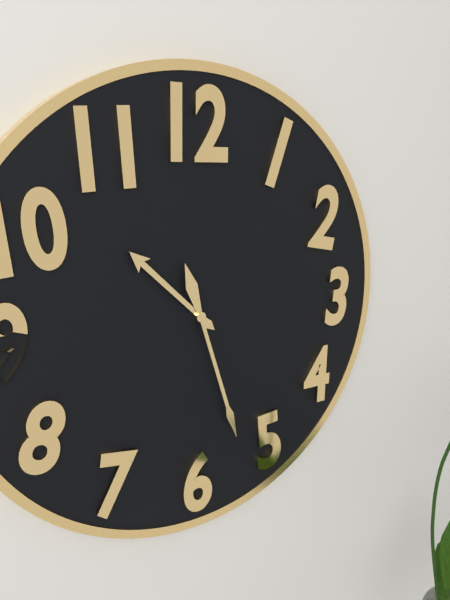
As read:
10:27
